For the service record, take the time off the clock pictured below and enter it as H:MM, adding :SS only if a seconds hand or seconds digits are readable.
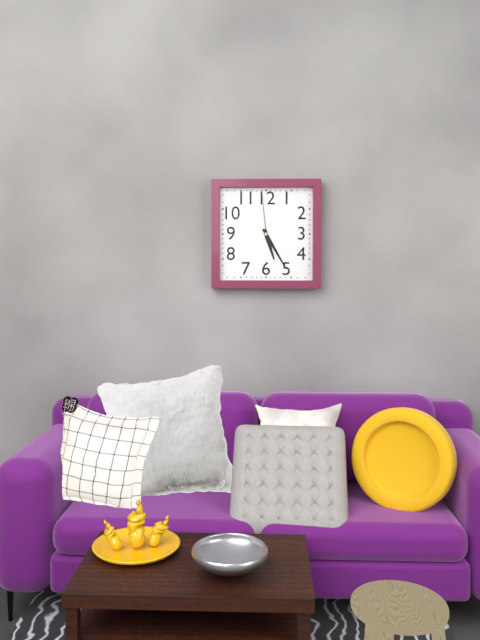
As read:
5:25:59
